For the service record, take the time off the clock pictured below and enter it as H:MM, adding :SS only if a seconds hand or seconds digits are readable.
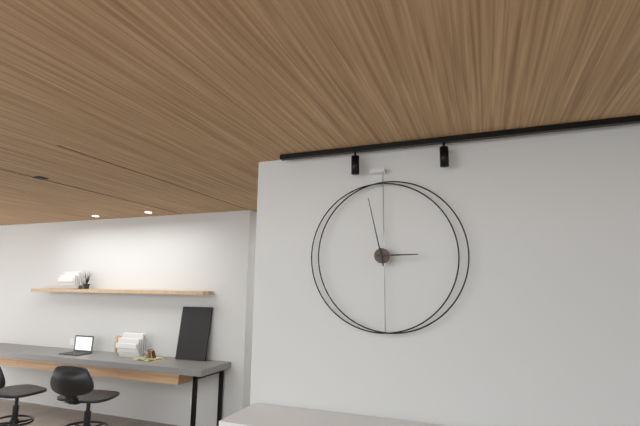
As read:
2:58
